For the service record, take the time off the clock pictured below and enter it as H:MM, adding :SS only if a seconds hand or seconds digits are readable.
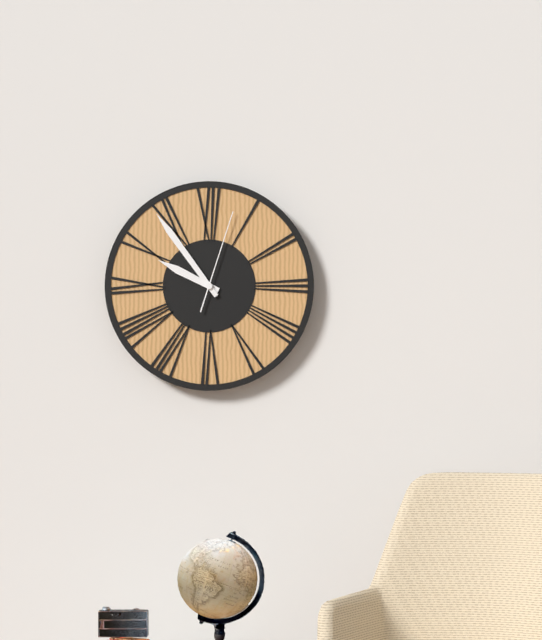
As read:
9:54:03
